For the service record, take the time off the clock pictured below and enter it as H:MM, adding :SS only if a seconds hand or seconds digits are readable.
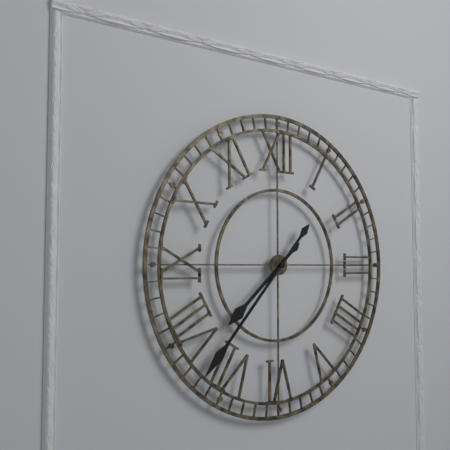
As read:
7:37
